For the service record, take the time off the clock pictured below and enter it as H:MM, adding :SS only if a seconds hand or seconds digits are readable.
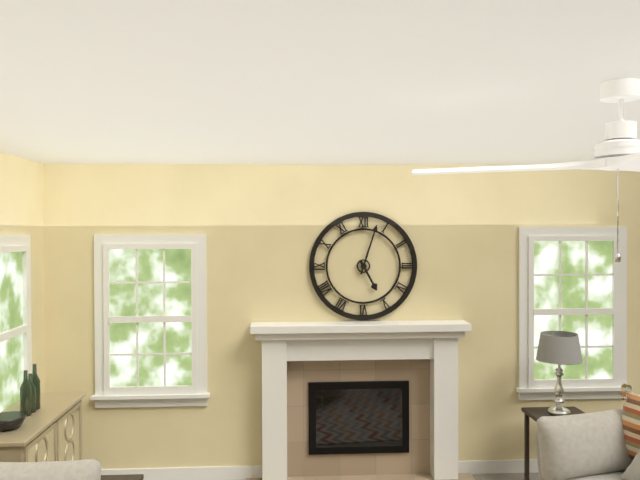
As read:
5:03
